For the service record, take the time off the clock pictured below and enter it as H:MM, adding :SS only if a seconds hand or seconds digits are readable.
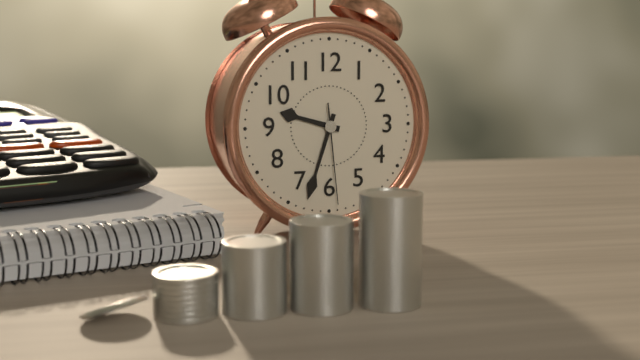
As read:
9:33:29
